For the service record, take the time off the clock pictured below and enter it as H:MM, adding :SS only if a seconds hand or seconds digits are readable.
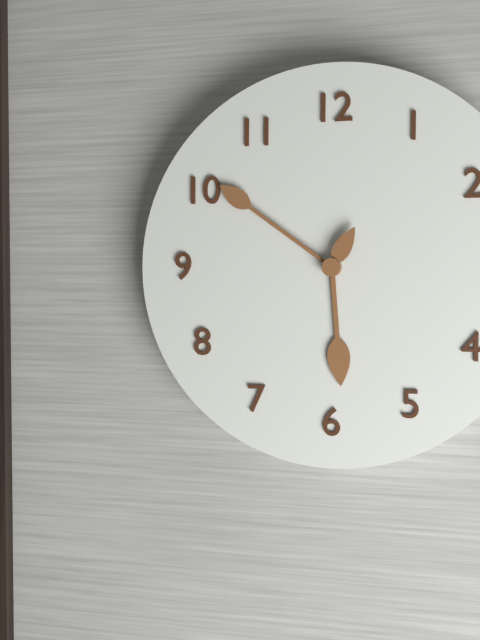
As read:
5:51:05
